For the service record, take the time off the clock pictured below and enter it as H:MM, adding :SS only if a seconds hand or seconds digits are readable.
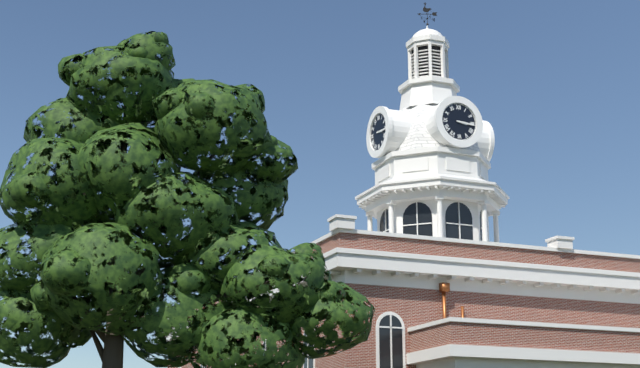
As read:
3:16
